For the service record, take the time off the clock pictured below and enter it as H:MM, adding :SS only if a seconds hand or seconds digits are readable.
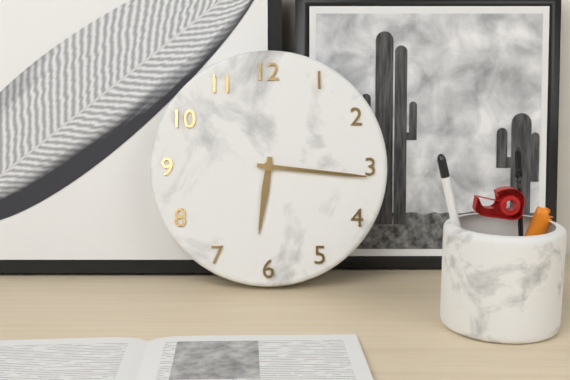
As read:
6:16
